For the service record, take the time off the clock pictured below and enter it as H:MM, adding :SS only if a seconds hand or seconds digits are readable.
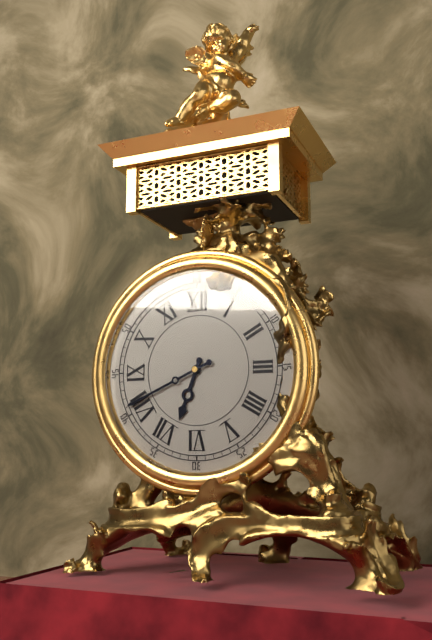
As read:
6:41
